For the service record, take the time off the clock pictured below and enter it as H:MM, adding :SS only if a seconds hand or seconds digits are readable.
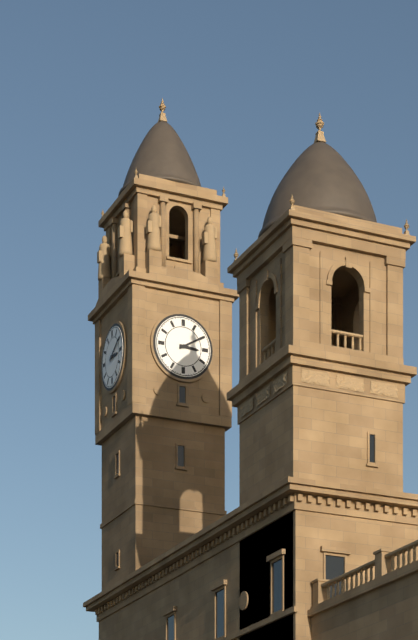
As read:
3:10
